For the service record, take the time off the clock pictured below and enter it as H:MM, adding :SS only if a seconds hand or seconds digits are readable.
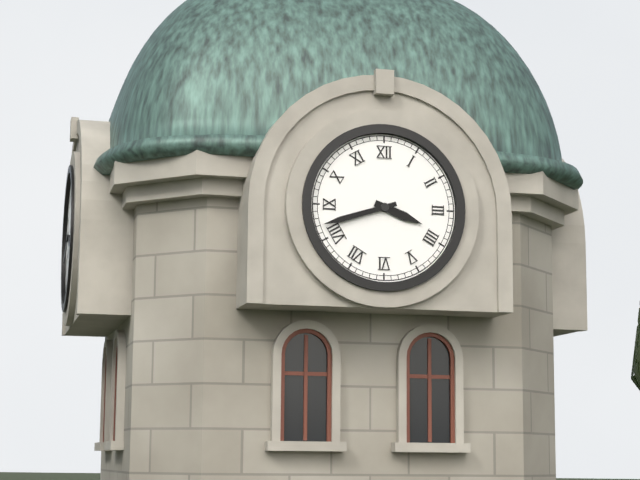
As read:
3:42
